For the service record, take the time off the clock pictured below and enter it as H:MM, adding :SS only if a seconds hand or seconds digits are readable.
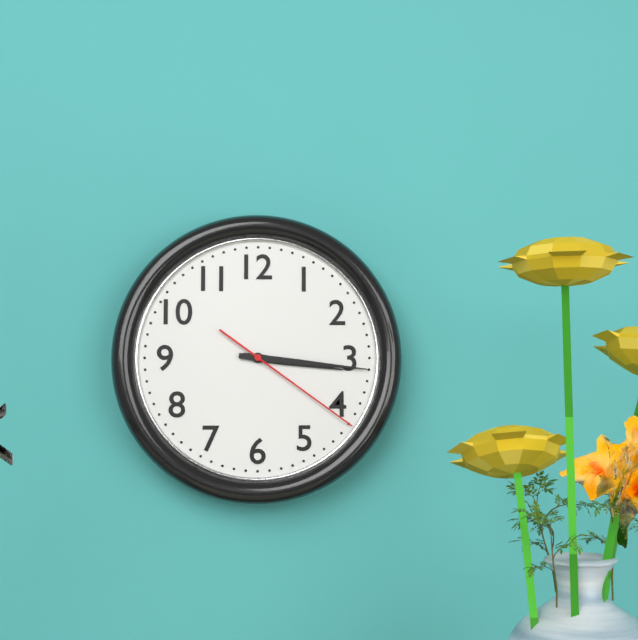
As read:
3:16:21
